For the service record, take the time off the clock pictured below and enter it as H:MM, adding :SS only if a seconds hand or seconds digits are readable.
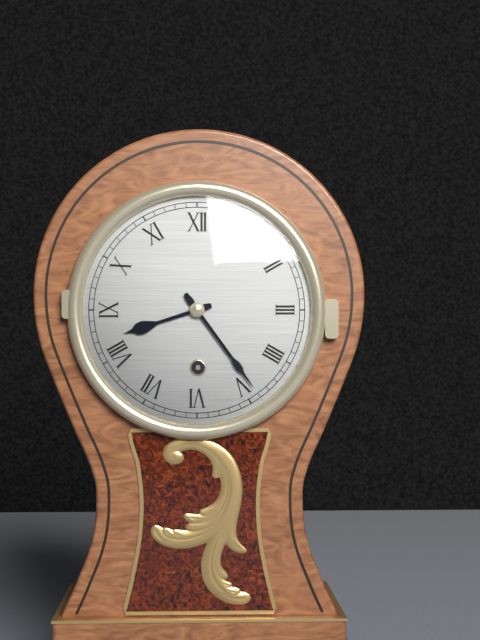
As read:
8:24
